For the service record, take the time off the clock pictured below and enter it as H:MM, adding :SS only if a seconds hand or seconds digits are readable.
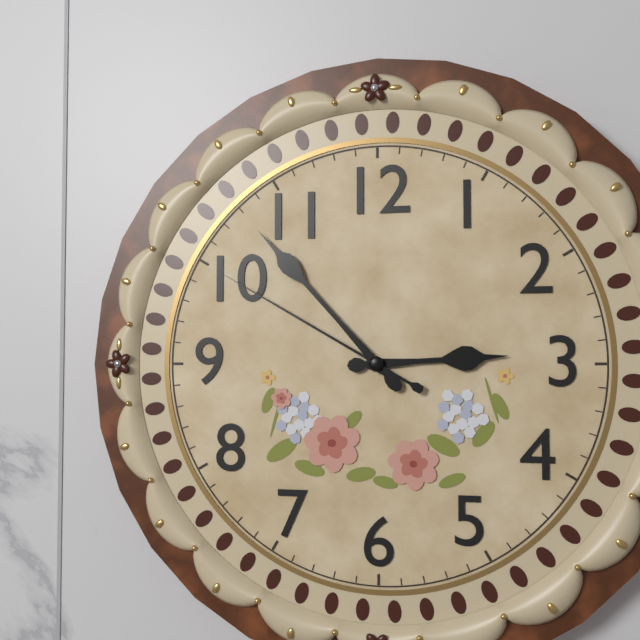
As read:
2:53:50
